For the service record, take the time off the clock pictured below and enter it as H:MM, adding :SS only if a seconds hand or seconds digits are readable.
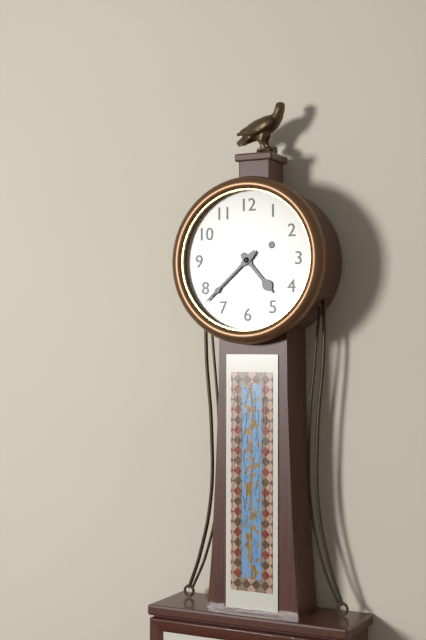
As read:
4:38
